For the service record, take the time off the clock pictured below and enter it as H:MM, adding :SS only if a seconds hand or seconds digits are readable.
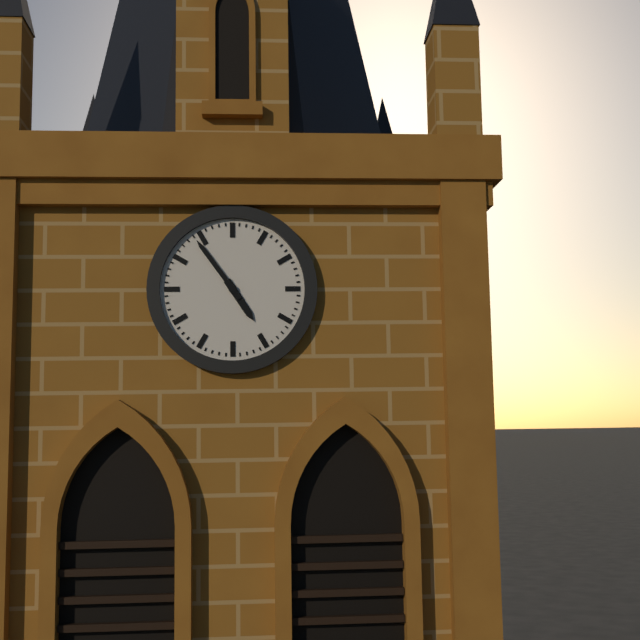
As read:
4:54
